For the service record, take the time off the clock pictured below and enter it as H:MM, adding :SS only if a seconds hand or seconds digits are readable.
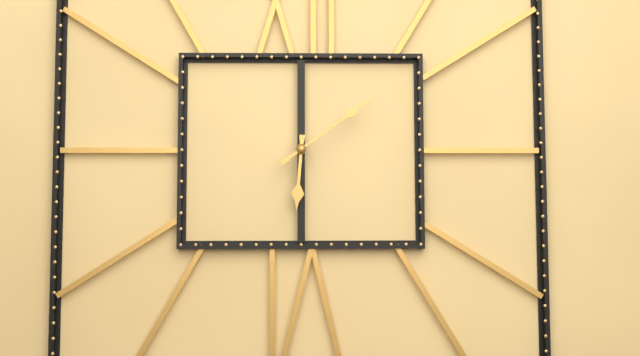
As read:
6:09
